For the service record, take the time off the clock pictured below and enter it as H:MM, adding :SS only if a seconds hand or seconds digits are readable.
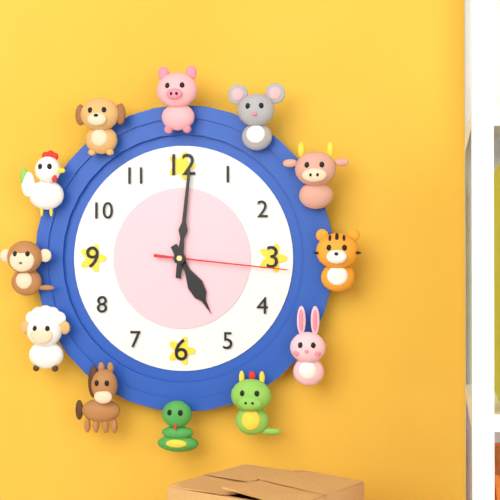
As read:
5:01:16
